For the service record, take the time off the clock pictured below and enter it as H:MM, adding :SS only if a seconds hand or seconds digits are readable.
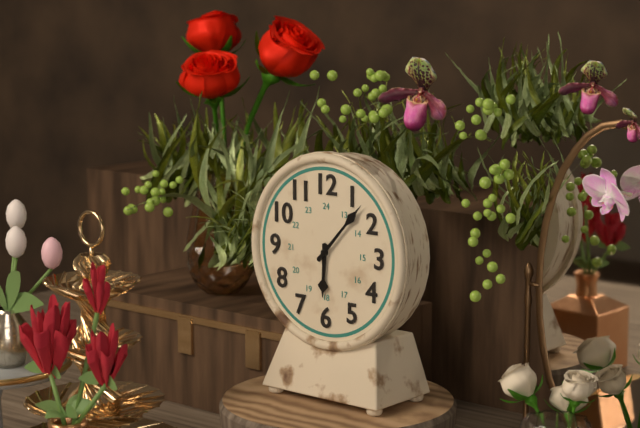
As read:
6:07
